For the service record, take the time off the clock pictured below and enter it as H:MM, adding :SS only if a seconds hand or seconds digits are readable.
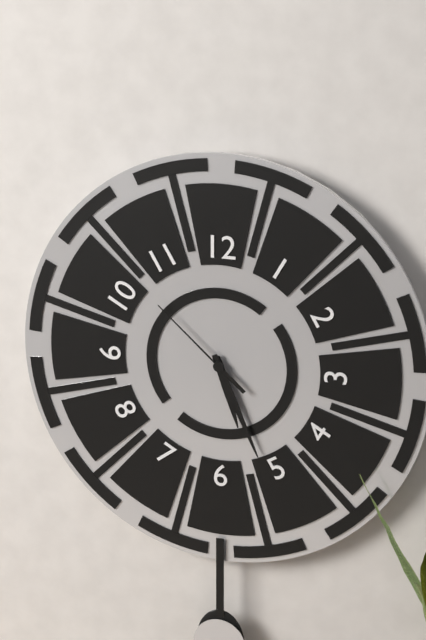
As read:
5:26:52
